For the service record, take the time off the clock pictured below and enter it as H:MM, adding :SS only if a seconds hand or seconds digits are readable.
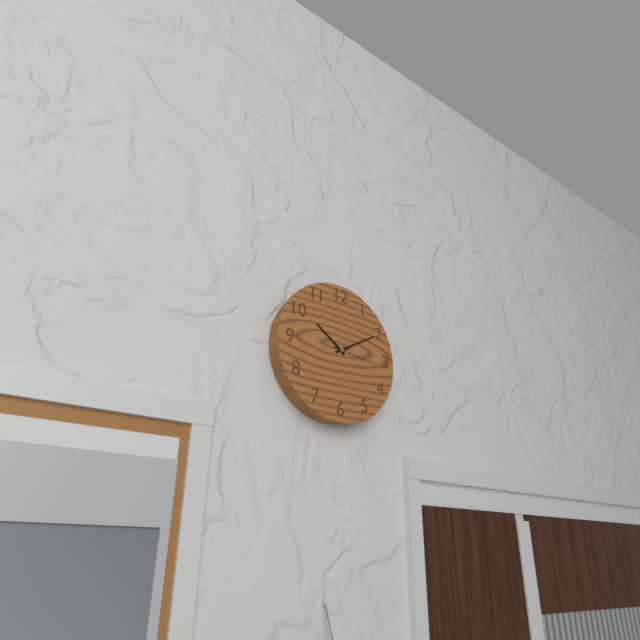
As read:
10:10
